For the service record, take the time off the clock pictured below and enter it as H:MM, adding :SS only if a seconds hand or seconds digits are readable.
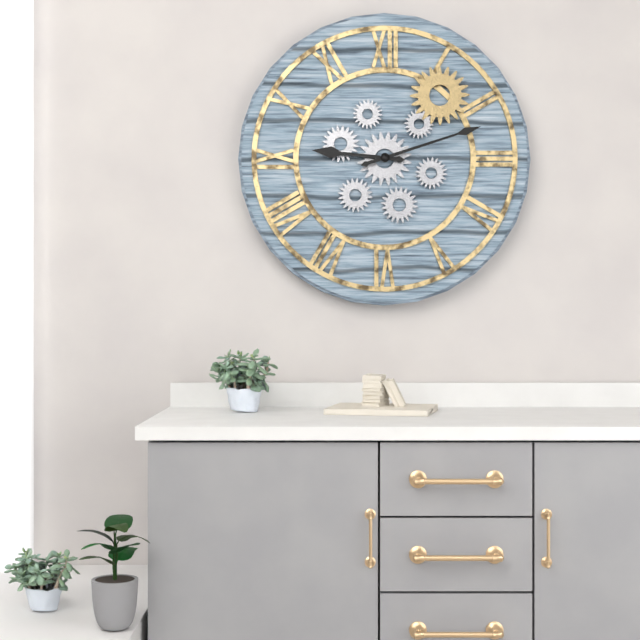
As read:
9:12
